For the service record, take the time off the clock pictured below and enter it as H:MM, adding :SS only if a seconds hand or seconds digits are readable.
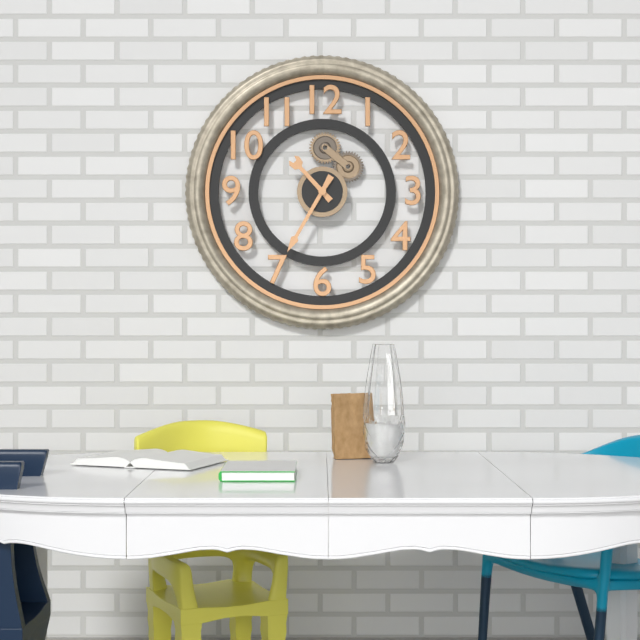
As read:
10:35
